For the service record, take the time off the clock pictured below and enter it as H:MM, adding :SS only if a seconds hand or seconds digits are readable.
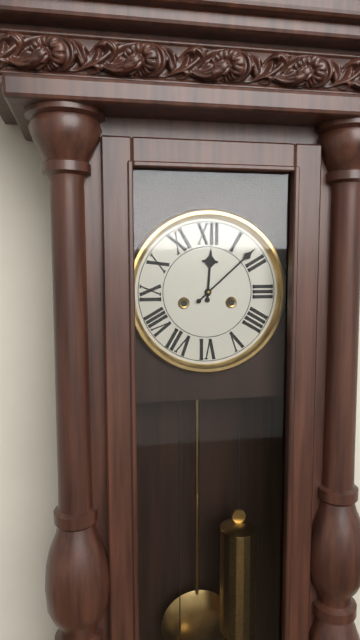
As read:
12:08
